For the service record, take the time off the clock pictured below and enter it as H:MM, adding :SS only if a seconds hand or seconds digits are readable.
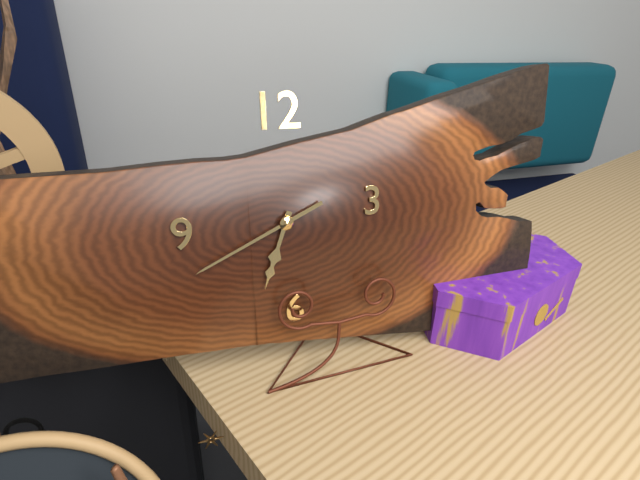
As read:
6:41
